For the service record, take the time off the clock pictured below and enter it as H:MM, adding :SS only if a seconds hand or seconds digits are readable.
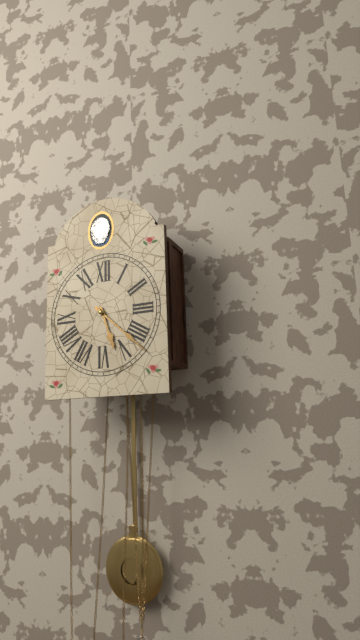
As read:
5:22
